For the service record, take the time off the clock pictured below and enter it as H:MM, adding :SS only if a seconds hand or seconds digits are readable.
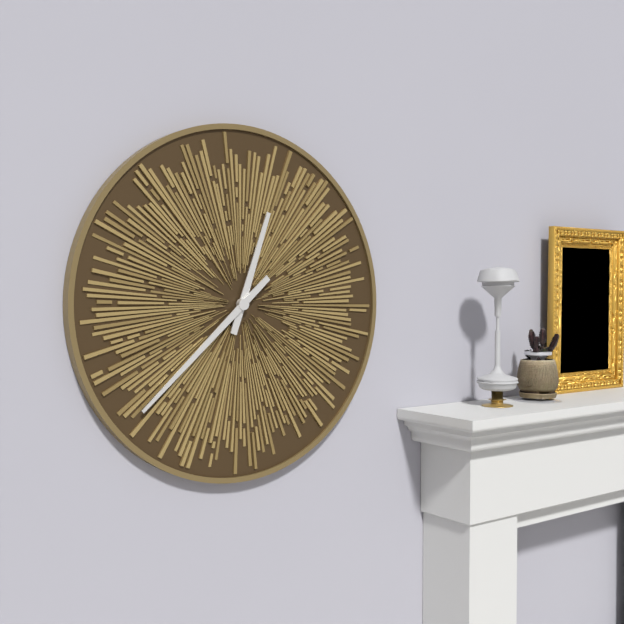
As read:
12:38
